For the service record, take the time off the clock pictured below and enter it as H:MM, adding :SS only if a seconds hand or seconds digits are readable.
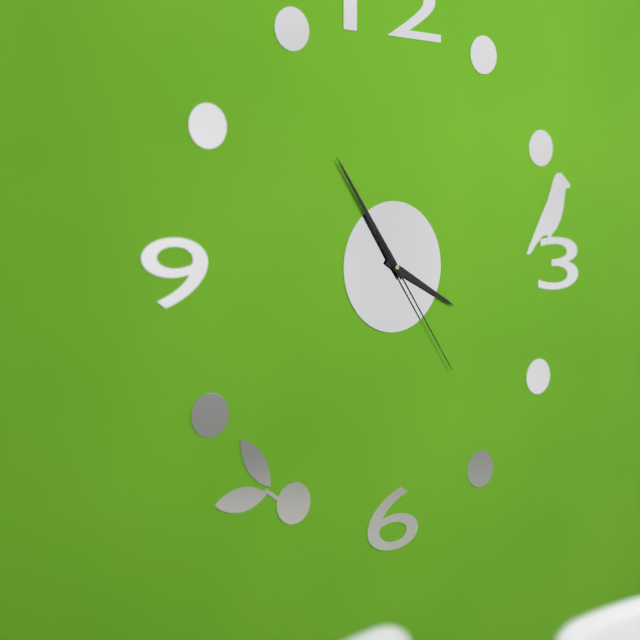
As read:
3:54:24
